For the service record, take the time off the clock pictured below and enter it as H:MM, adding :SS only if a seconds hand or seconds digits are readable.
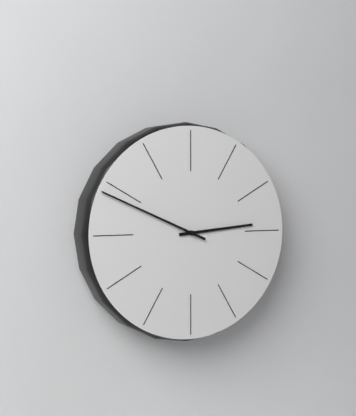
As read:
2:49
